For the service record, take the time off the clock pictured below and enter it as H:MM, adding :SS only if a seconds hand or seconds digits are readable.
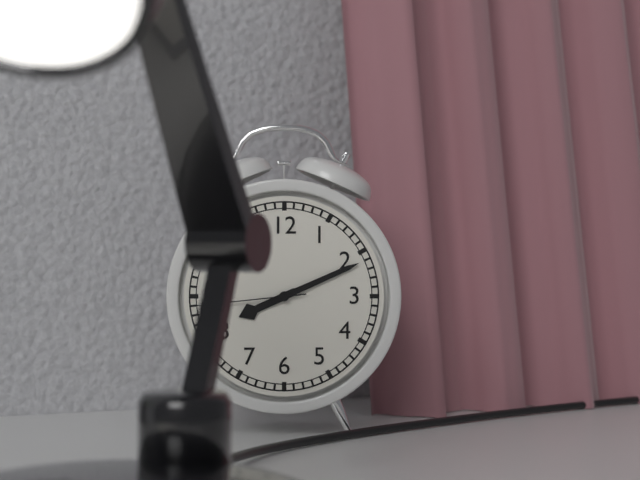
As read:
8:11:44
